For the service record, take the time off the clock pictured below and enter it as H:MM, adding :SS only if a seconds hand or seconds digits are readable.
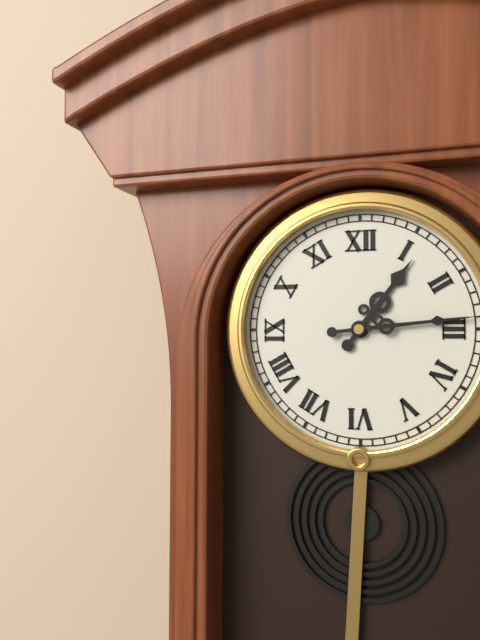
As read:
1:14
